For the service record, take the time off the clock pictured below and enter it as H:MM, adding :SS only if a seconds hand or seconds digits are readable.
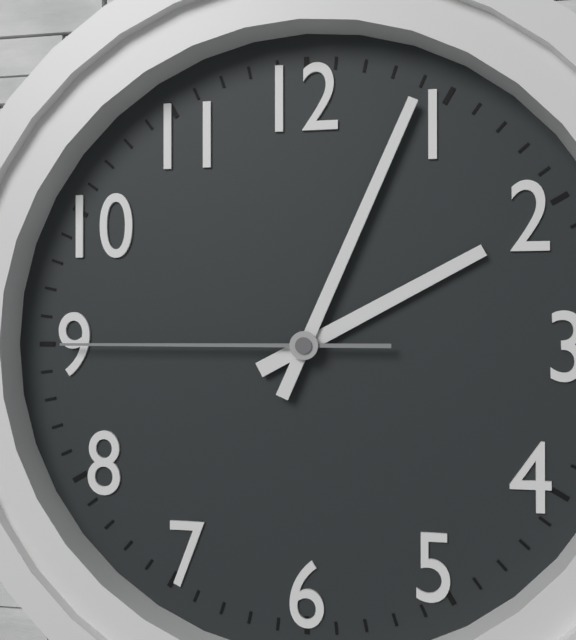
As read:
2:04:45
